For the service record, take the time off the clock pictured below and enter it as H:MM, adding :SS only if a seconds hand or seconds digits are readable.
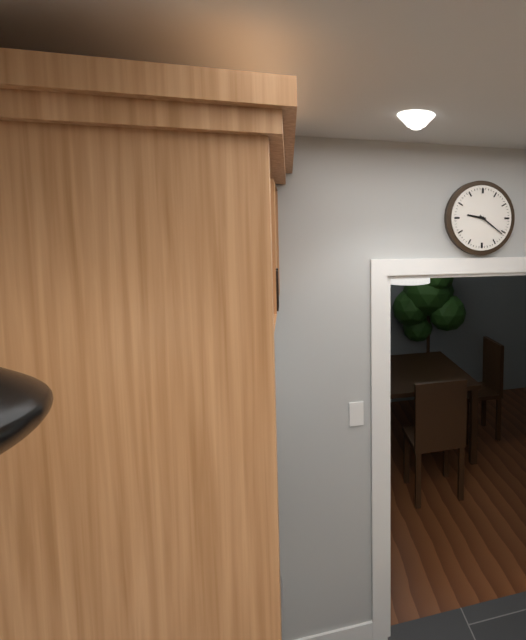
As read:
9:21
